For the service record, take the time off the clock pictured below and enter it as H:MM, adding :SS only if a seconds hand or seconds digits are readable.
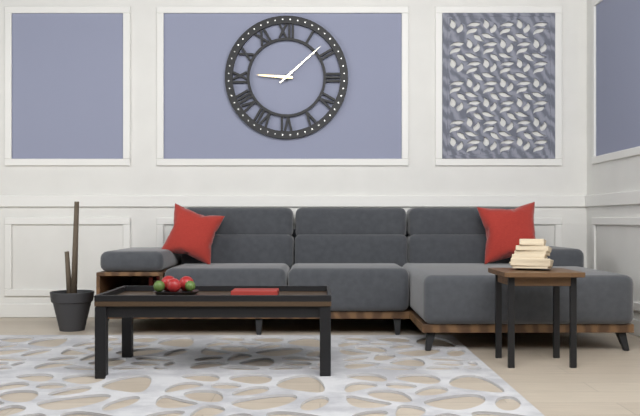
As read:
9:08
